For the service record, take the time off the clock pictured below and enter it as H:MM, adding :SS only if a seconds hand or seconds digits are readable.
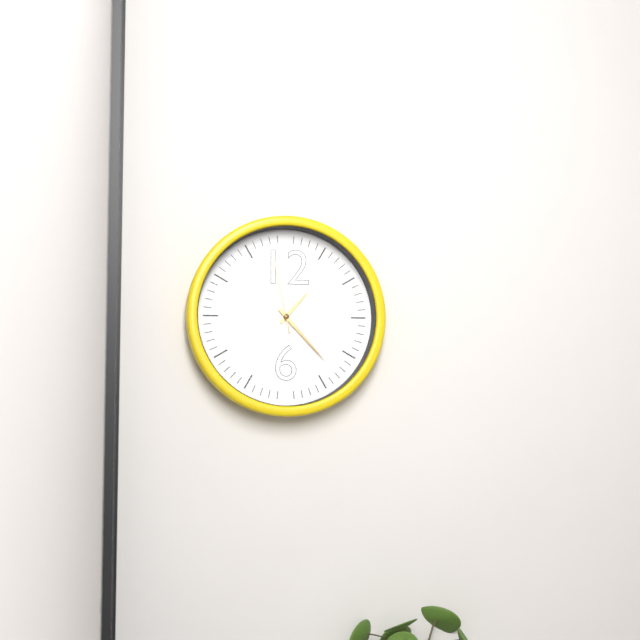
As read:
1:23:58
